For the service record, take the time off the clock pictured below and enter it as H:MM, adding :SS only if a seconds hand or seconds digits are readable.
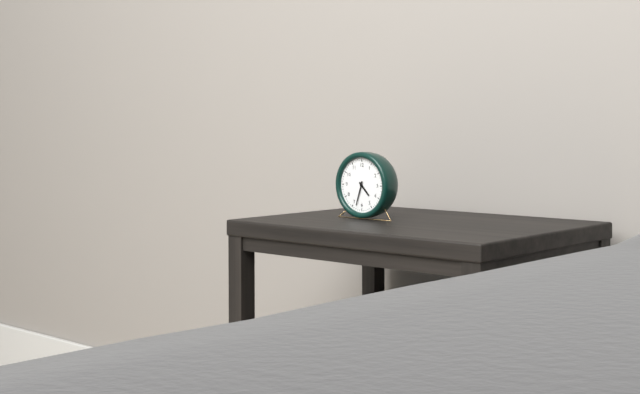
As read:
4:33
